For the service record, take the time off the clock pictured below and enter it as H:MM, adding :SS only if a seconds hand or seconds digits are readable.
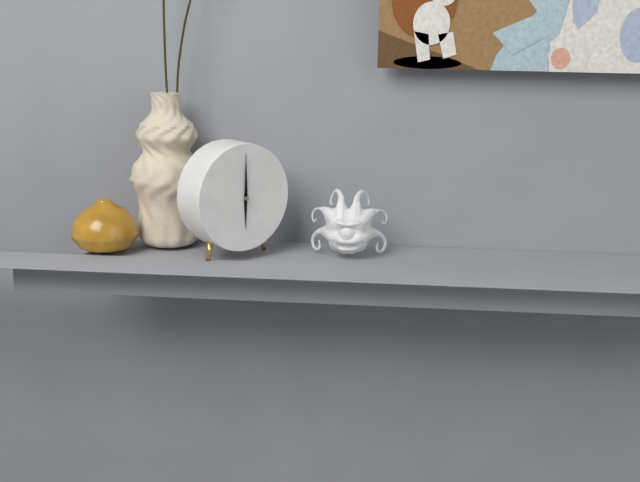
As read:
6:00
